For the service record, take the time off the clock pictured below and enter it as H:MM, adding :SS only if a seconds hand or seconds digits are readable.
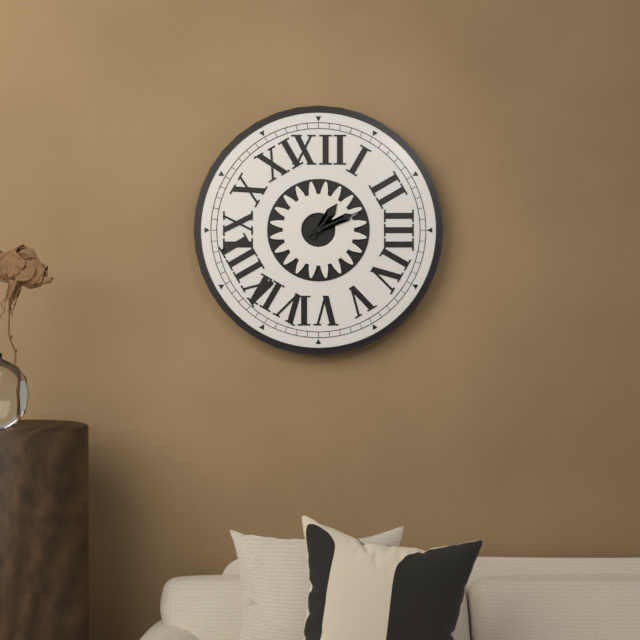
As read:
1:11
